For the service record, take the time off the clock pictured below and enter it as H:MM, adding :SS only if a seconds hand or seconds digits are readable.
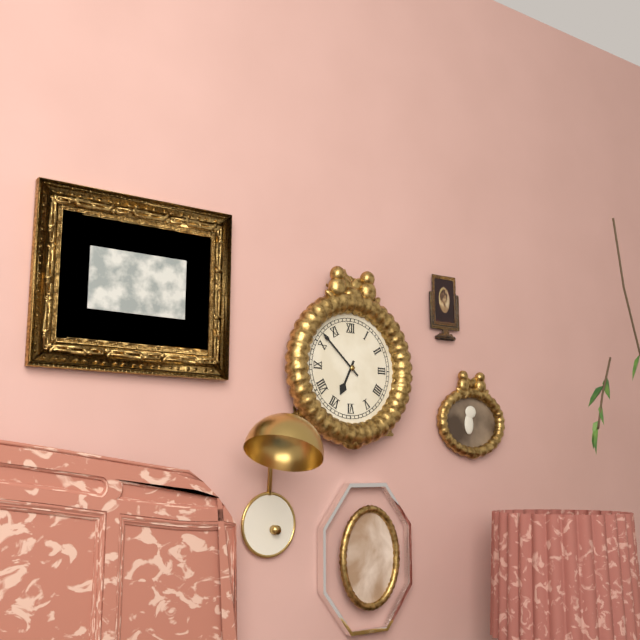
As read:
6:52
